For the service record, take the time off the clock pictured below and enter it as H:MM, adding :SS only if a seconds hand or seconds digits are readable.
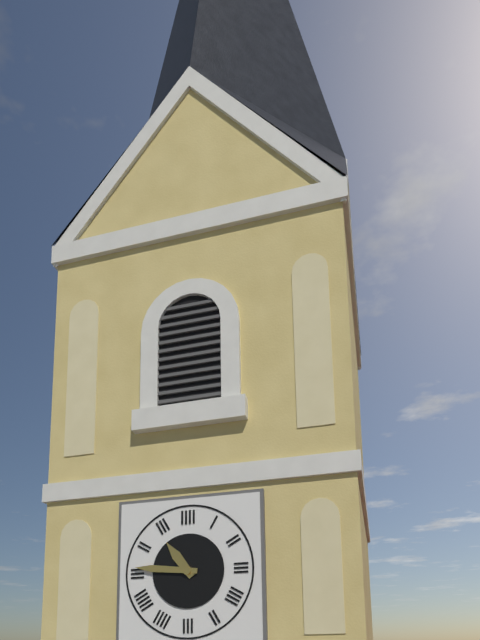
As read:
10:46
